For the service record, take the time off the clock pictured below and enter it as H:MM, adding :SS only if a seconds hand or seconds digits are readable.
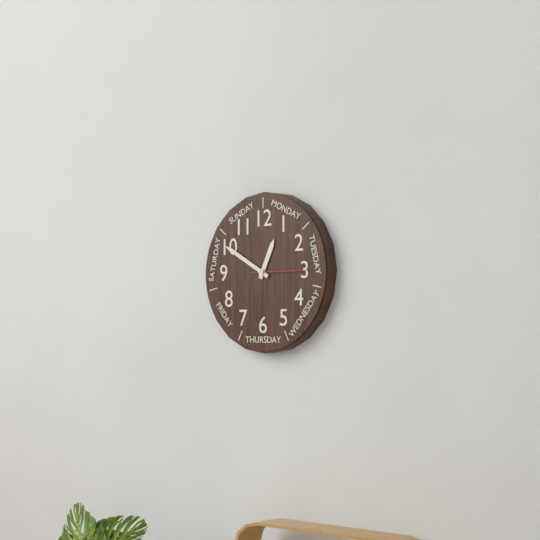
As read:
12:50
